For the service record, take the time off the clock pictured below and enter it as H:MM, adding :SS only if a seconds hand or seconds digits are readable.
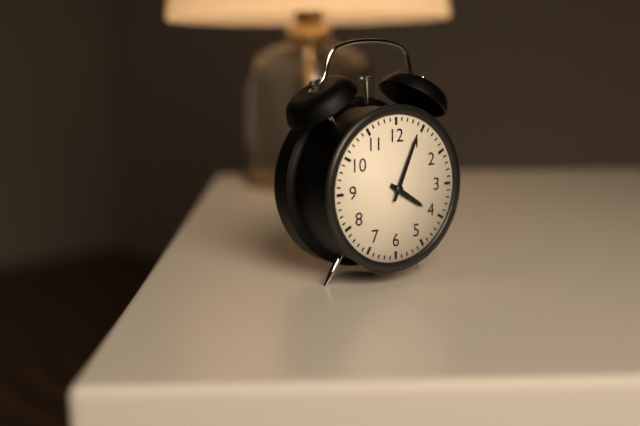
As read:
4:04
